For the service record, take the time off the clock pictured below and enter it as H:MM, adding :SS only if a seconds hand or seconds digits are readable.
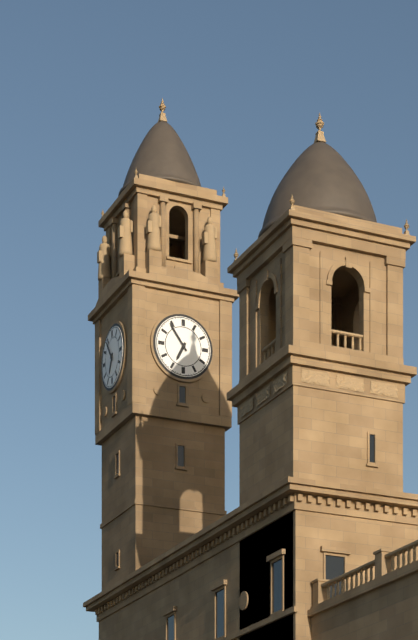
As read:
6:54
